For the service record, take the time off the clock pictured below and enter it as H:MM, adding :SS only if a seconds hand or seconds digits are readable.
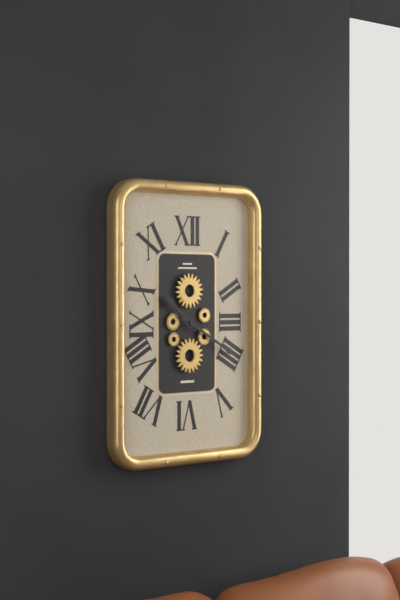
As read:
10:20
